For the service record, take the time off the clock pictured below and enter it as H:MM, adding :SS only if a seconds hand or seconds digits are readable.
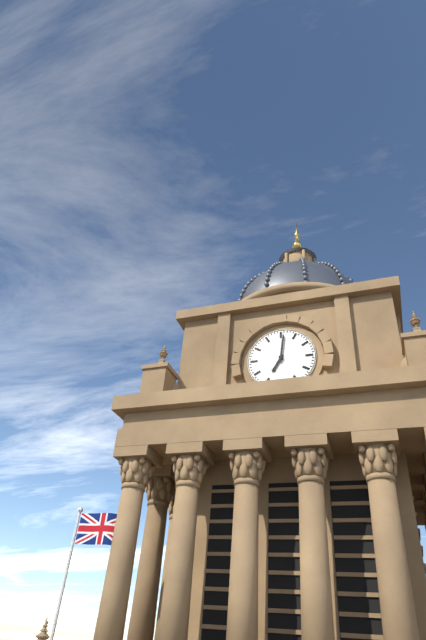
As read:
7:01
